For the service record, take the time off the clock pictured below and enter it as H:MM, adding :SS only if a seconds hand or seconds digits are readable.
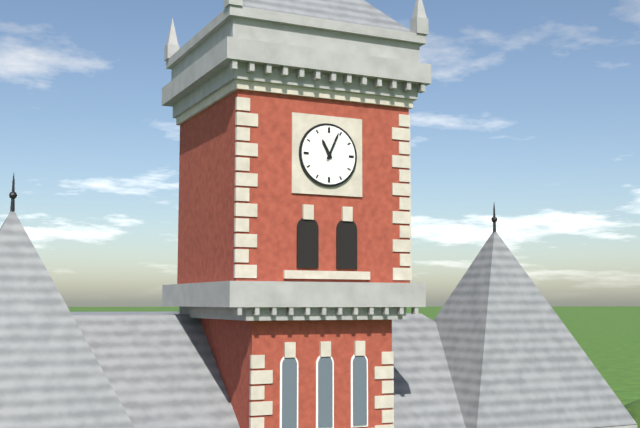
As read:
11:04
